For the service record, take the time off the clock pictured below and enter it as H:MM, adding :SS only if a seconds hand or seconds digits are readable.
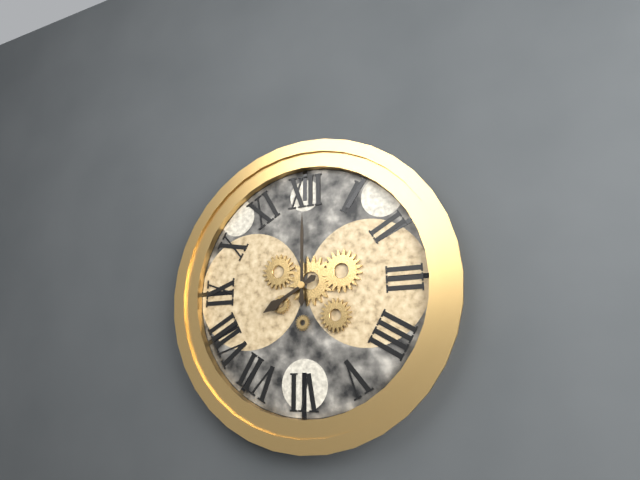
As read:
8:00
